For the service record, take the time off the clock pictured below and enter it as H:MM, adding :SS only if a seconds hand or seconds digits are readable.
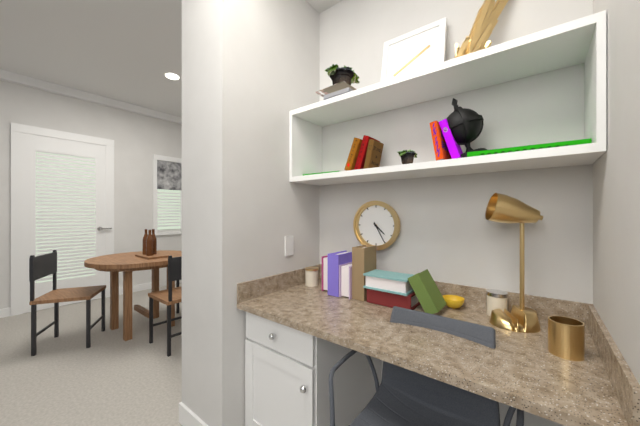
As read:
4:25
